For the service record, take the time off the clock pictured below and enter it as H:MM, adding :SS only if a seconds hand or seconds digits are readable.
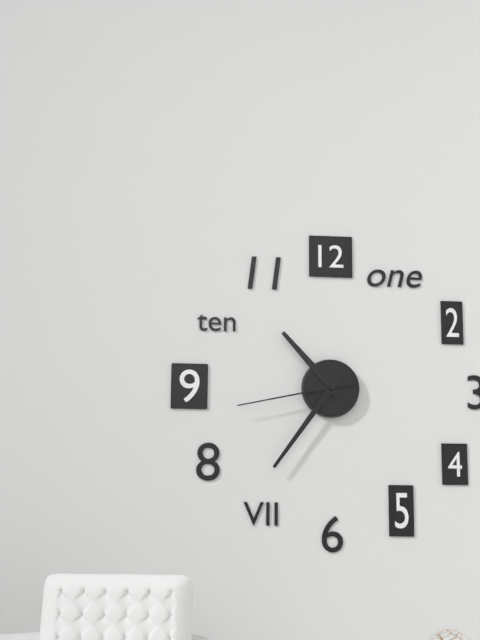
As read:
10:36:43
